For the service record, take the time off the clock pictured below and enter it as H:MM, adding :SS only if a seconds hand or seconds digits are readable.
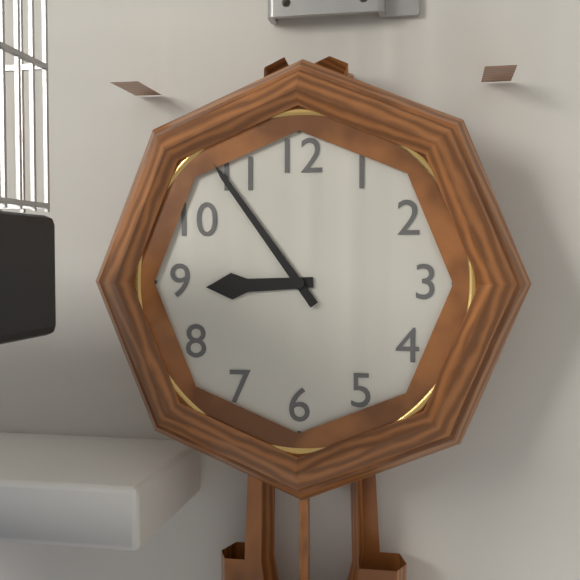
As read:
8:54
